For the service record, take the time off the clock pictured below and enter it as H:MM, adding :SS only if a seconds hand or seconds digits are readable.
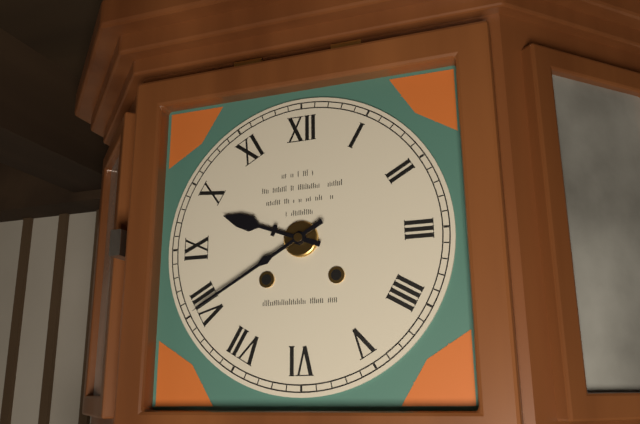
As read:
9:40
